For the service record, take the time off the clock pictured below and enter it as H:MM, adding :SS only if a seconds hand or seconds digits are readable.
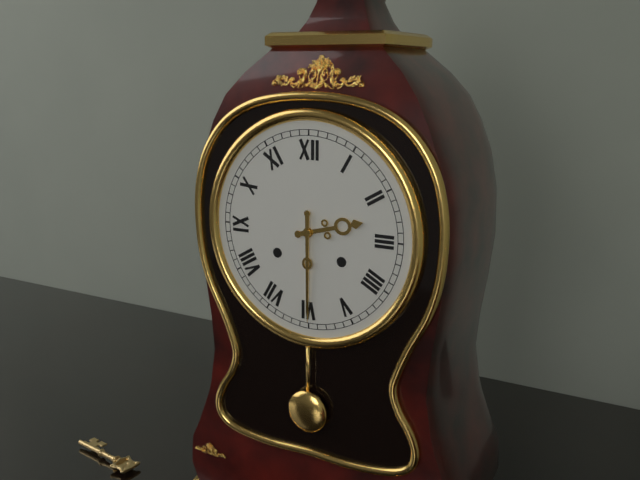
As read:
2:30
